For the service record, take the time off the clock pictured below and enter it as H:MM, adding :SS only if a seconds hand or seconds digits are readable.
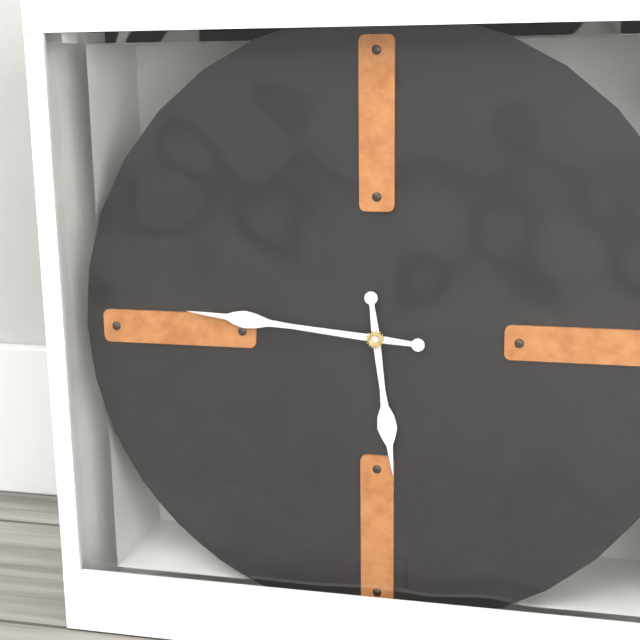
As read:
5:46
